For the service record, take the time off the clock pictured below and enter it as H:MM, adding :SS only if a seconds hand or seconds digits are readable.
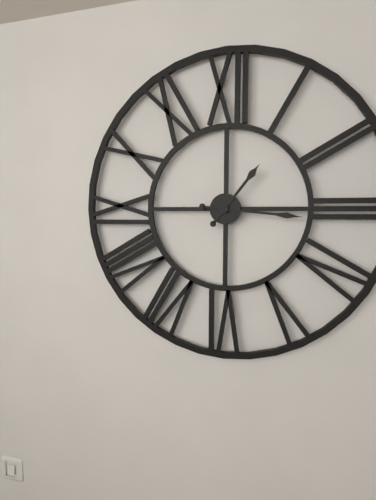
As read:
1:16
